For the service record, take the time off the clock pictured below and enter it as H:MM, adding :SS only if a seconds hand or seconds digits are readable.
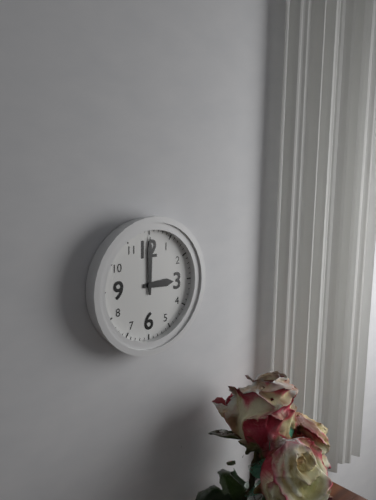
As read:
3:00
